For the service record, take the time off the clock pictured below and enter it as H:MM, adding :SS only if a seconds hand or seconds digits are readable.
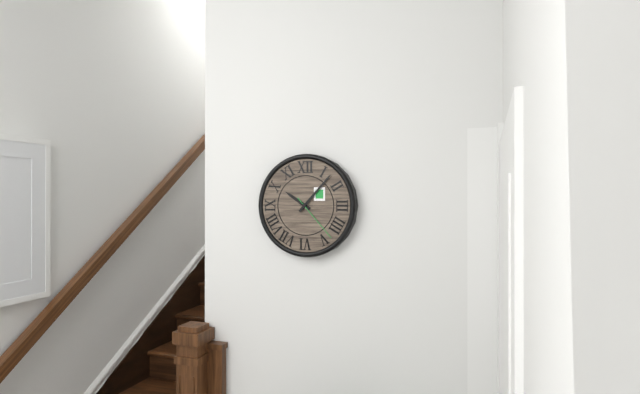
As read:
10:07
